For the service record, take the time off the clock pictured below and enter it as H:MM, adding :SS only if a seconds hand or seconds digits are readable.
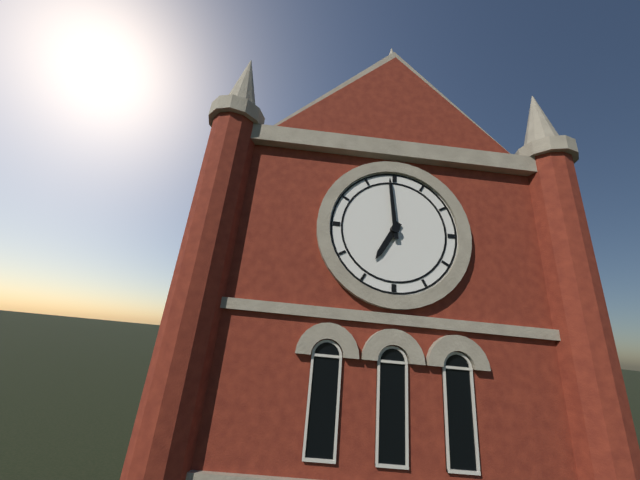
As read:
6:59
